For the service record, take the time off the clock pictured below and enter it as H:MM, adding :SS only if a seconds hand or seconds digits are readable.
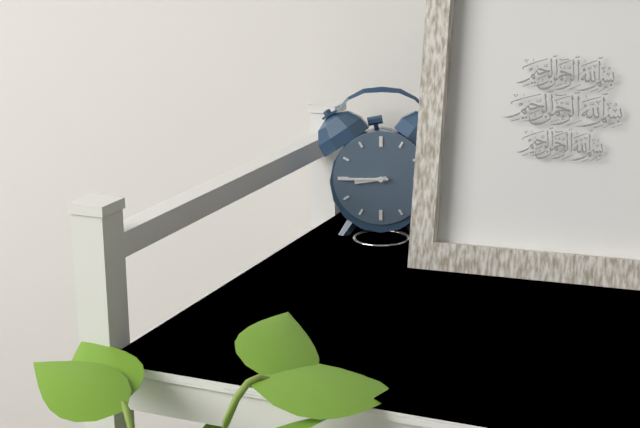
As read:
8:45
